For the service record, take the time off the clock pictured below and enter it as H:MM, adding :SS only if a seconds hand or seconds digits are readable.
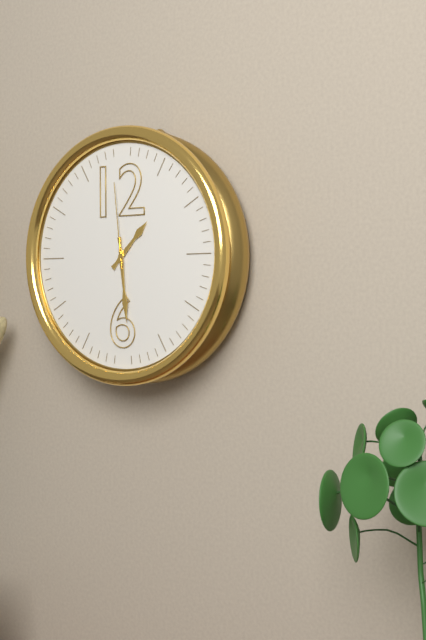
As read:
1:29:59
